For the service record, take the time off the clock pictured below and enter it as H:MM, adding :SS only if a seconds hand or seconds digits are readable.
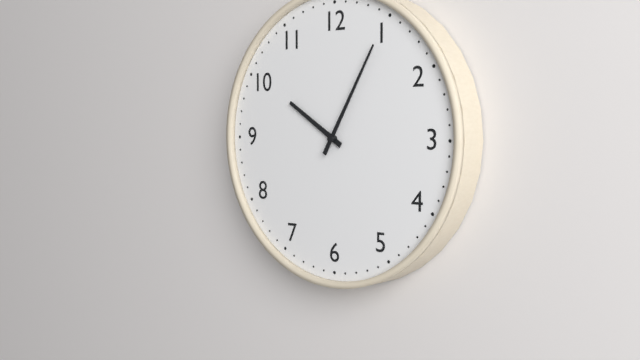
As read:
10:05
